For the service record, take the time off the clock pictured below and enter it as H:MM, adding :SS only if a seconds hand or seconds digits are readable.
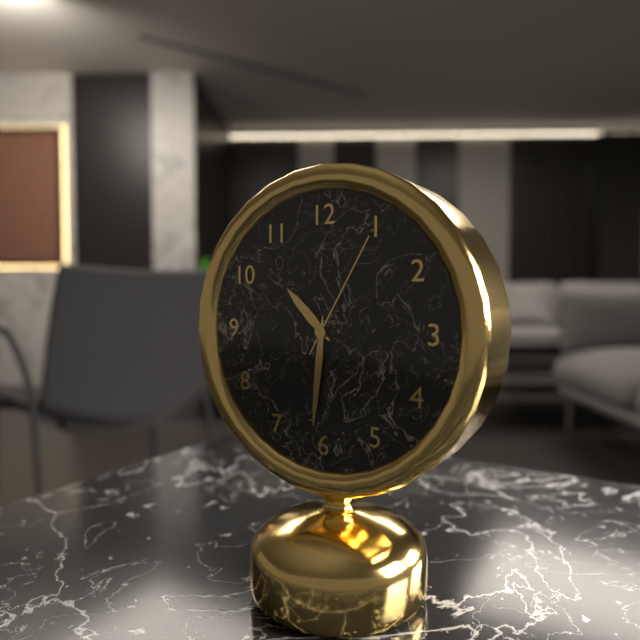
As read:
10:31:05
